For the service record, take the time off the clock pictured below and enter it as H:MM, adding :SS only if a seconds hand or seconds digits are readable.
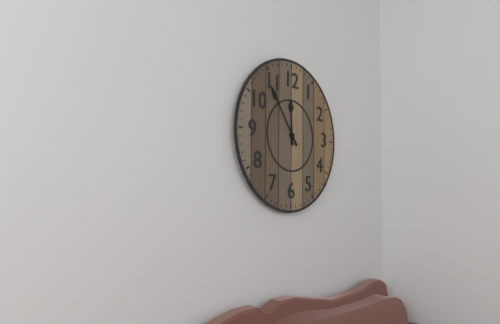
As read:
11:54
